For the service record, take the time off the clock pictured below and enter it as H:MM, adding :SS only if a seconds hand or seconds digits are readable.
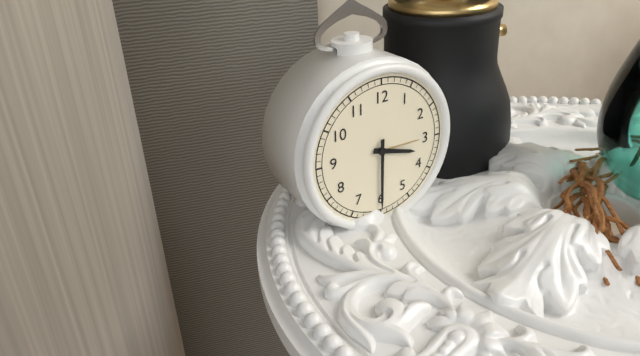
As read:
3:30
